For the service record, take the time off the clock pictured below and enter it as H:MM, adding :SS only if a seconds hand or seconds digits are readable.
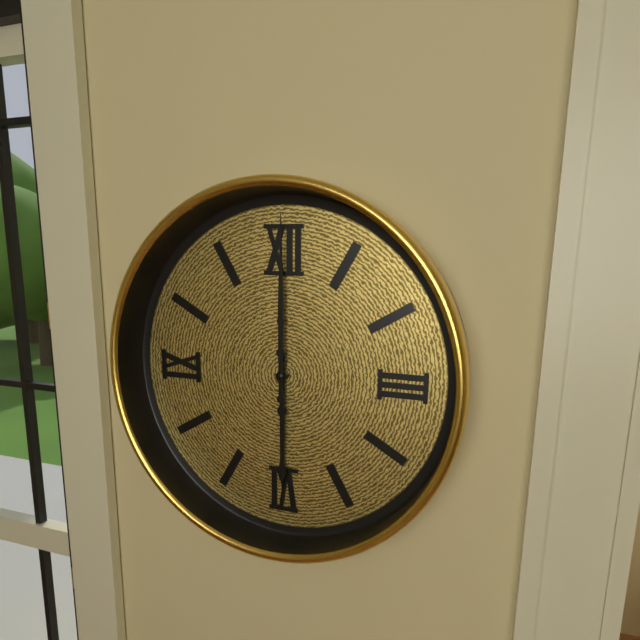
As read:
6:00
